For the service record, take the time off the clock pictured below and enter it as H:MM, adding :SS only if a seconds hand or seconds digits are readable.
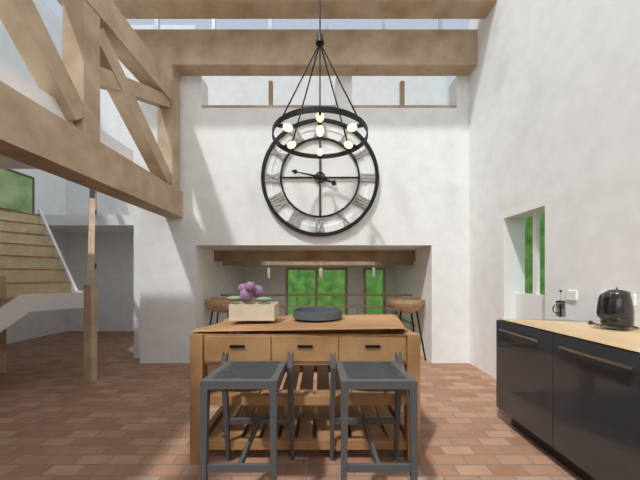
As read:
3:47
